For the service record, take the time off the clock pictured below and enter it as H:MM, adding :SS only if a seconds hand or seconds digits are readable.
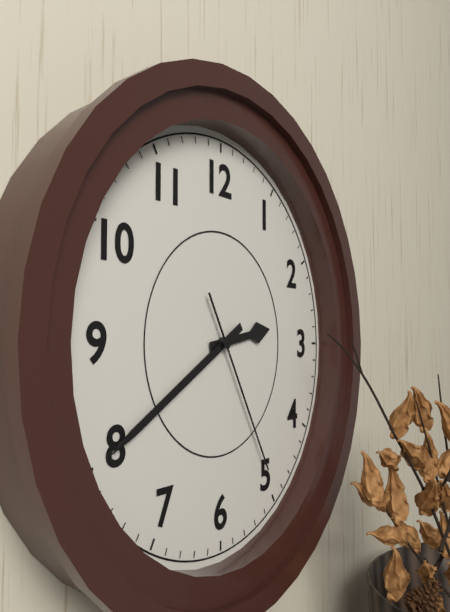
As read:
2:40:25
